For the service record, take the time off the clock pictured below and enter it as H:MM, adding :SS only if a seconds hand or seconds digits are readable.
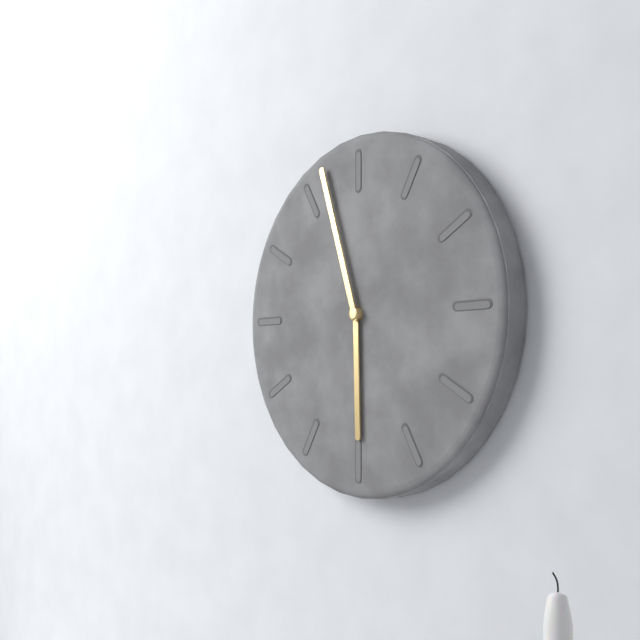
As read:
5:57
